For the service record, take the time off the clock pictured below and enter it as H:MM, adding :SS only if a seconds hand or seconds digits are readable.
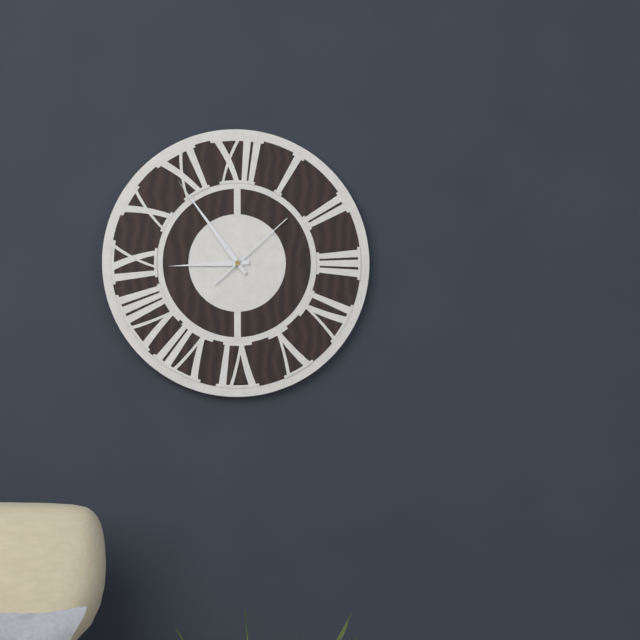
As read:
8:54:08
